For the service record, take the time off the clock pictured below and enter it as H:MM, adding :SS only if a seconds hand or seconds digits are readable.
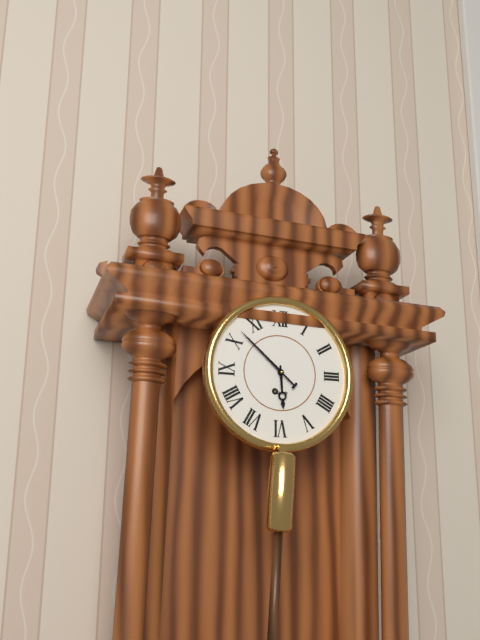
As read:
5:52
